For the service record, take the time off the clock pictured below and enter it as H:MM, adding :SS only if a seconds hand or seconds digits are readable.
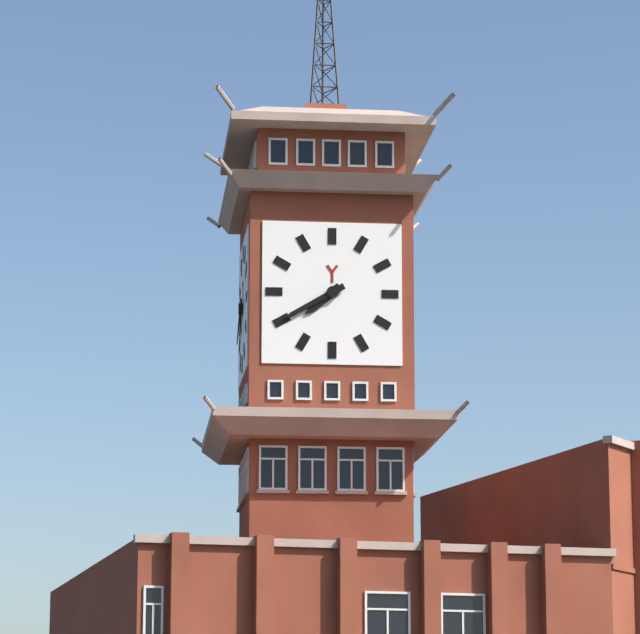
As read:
7:40
